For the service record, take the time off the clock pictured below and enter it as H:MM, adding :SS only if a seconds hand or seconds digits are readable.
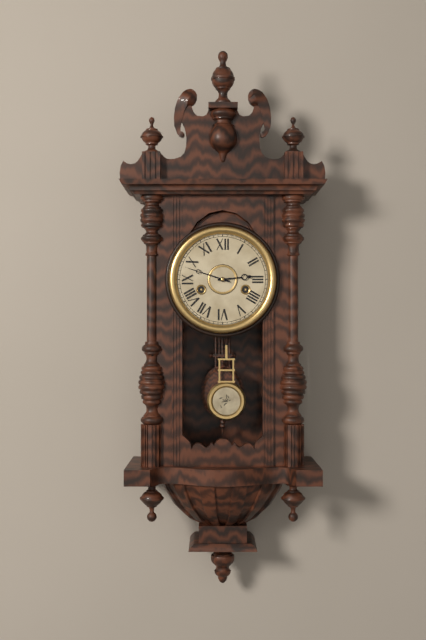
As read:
2:48
